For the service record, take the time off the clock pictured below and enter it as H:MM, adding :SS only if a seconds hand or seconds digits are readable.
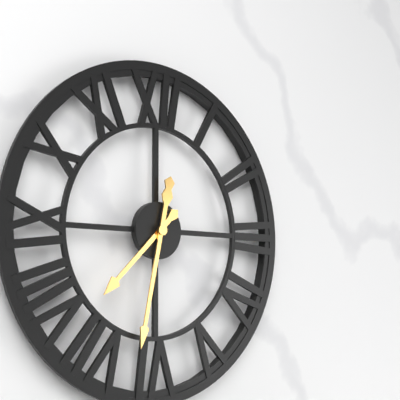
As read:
7:32
